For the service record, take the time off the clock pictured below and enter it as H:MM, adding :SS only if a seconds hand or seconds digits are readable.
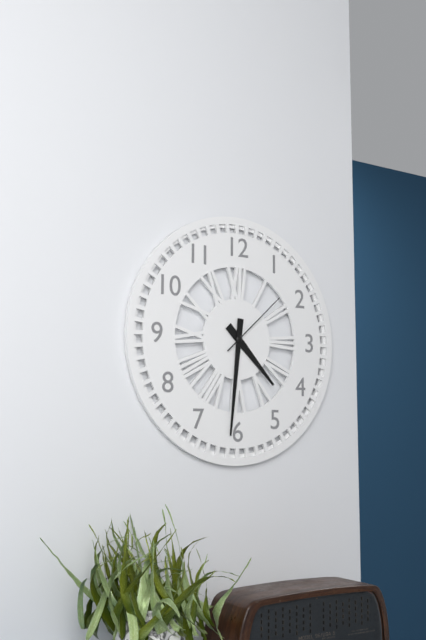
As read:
4:31:08
